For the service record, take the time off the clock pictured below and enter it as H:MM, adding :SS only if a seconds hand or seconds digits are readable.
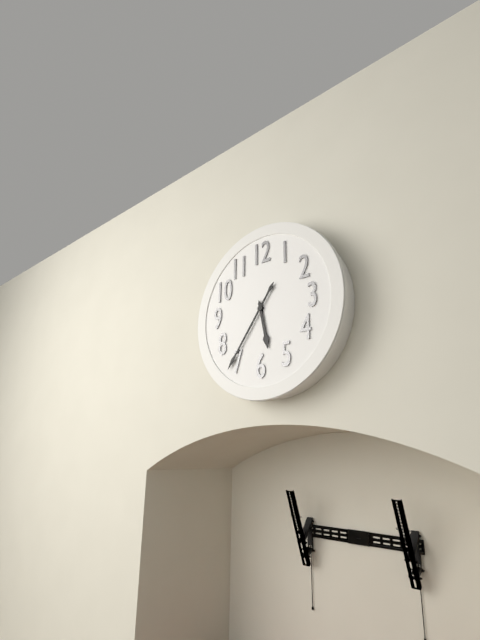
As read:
5:36
